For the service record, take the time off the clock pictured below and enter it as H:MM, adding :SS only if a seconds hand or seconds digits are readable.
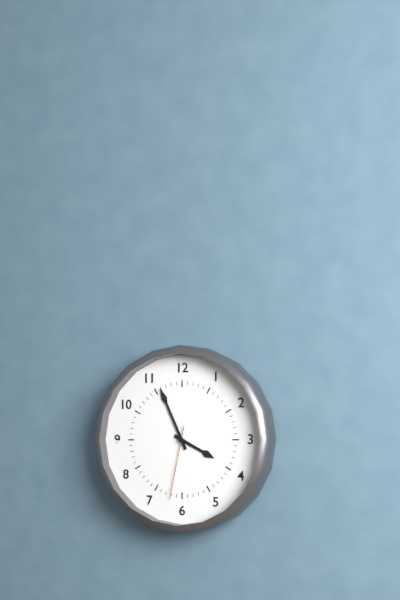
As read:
3:56:32
